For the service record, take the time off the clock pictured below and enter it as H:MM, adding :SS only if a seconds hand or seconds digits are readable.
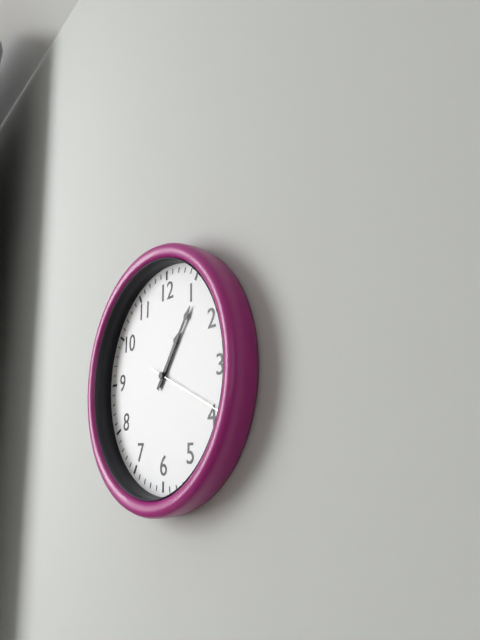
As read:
1:06:19
